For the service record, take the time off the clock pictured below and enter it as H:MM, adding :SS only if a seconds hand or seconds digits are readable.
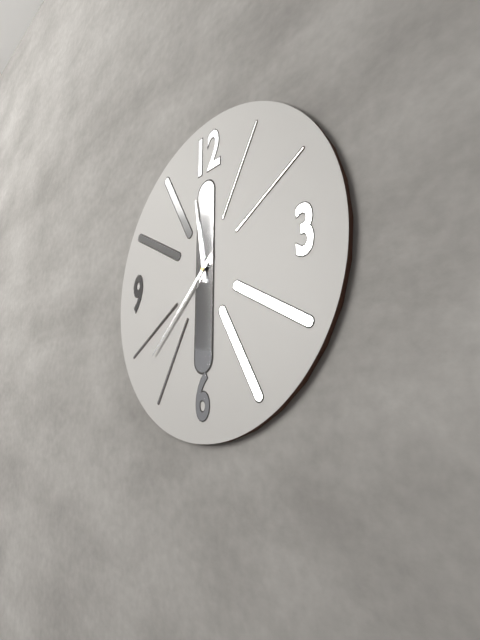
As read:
11:38
